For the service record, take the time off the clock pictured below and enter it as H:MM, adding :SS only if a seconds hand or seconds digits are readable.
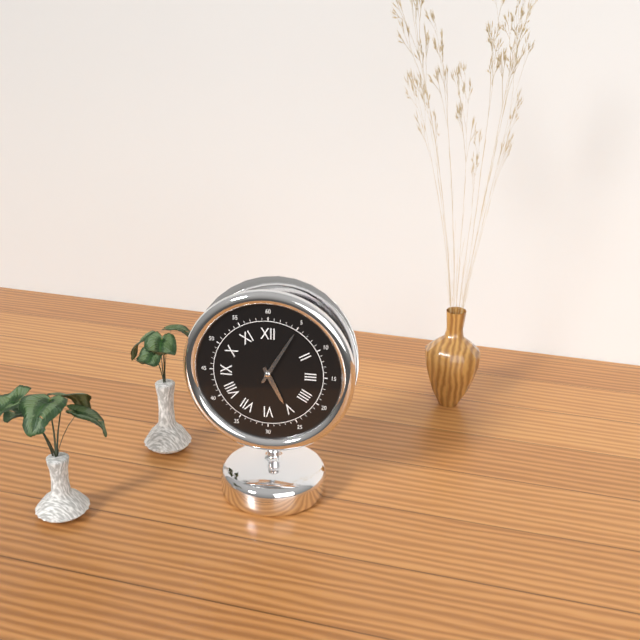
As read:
5:05
